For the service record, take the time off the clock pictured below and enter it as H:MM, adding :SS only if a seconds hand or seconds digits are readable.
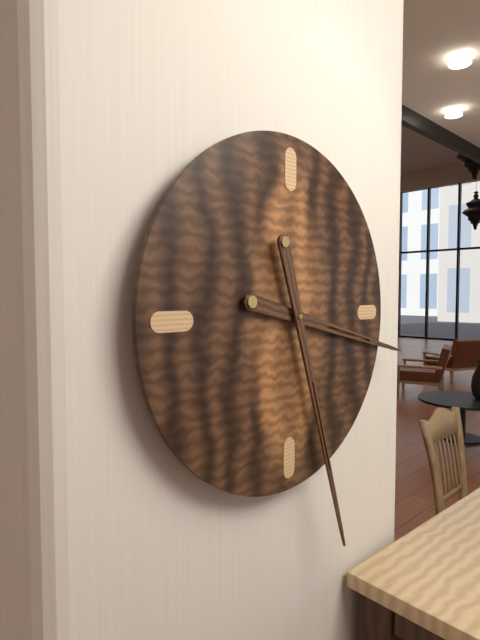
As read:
3:27
